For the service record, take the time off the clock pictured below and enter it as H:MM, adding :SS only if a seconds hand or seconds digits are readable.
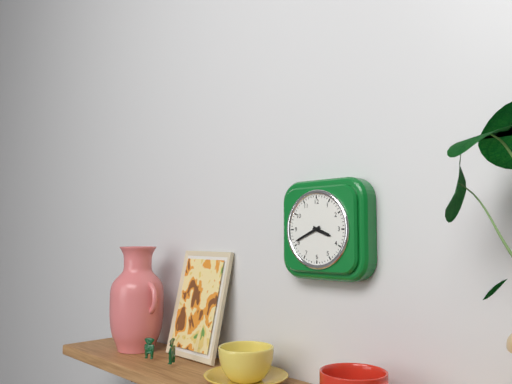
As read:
3:41
